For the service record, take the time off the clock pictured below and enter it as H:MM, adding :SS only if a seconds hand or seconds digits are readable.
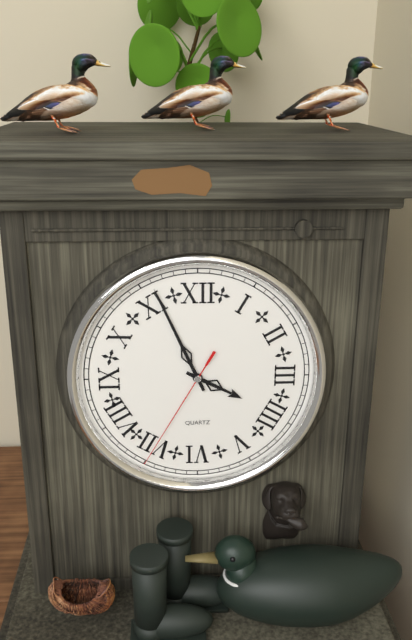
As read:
3:56:35
